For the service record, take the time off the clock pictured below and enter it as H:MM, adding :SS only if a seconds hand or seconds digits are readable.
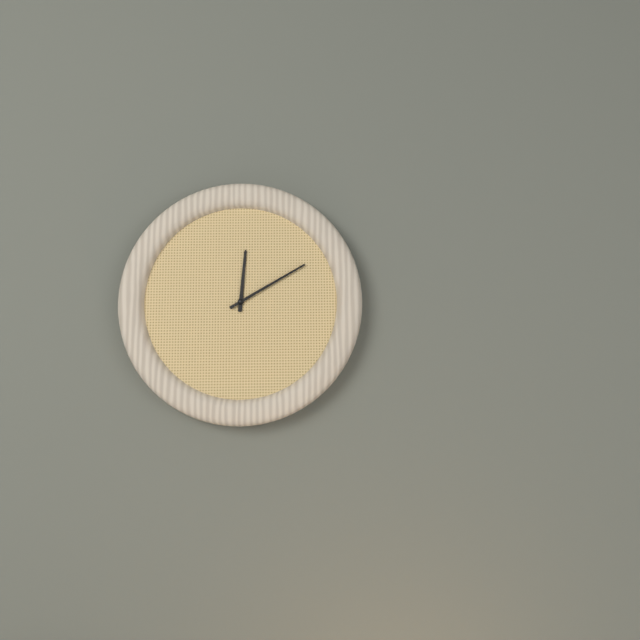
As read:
12:10
